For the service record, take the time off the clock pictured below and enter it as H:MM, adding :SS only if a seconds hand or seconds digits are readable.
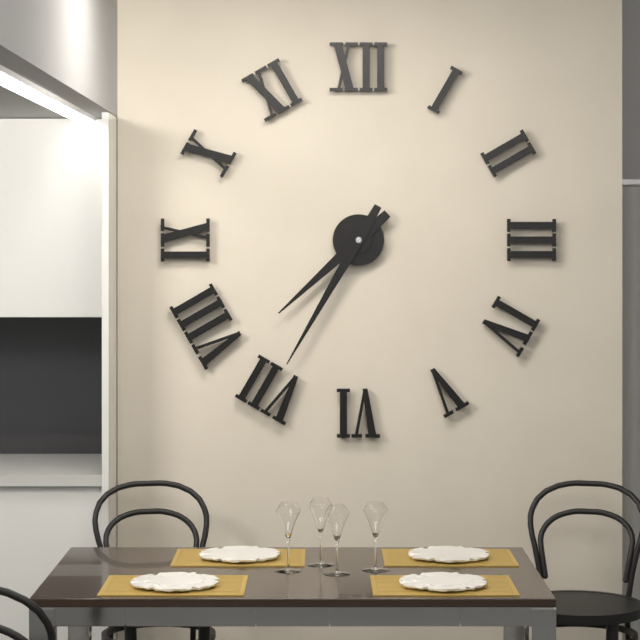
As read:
7:35
